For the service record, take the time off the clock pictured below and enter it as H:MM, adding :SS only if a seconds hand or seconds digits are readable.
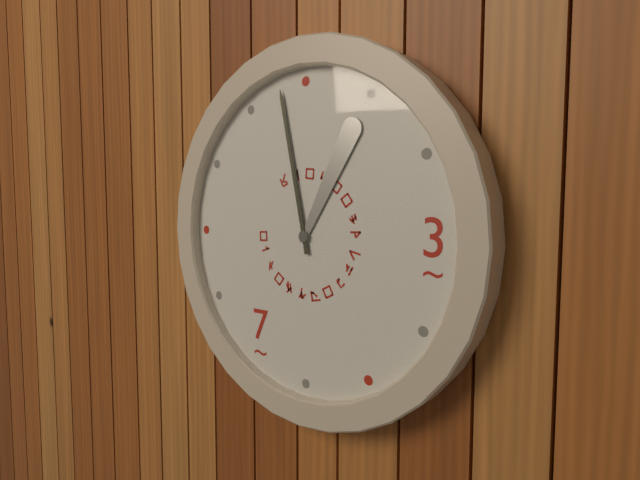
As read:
12:58
